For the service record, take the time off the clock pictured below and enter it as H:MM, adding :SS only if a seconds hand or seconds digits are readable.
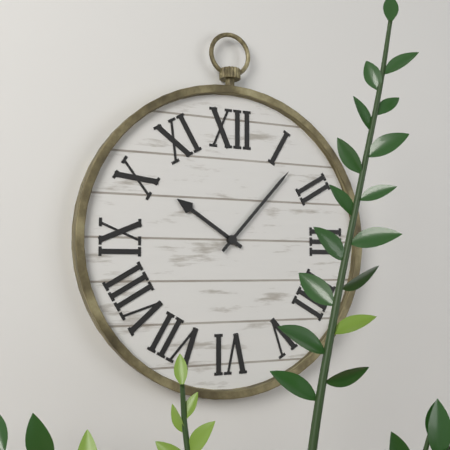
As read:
10:07
